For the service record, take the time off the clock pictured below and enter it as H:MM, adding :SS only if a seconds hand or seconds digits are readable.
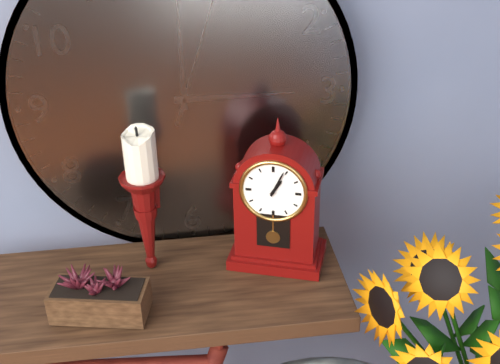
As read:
1:04
